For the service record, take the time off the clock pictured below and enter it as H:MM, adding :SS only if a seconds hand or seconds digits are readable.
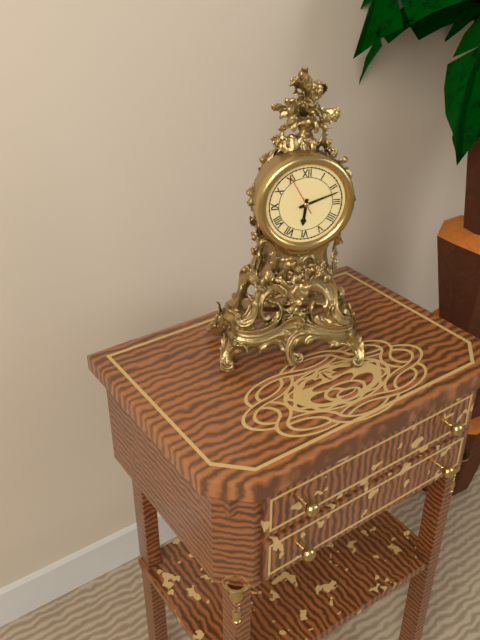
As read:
6:12
